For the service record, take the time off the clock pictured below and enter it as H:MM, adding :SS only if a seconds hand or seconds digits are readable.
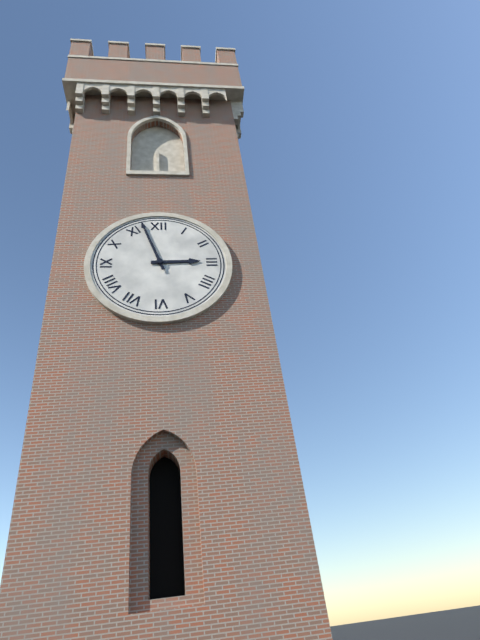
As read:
2:57
